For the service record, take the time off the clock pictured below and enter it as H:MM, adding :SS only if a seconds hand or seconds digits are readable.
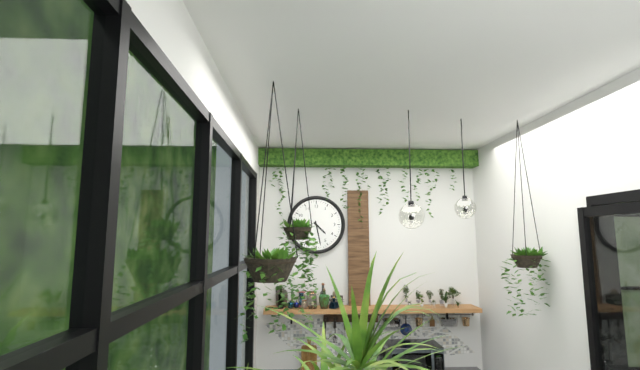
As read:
4:28
